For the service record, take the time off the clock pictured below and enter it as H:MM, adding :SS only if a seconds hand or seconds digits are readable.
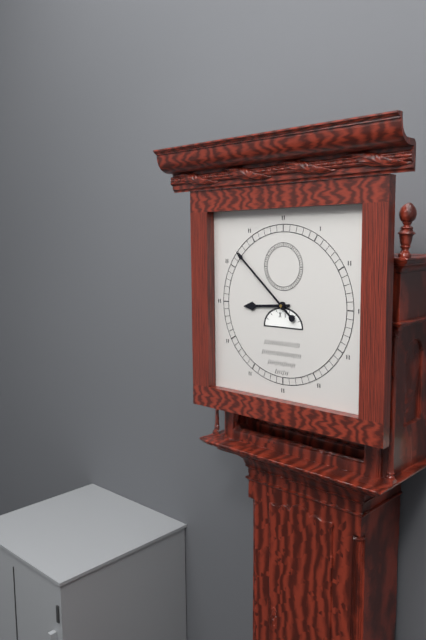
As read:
8:52
